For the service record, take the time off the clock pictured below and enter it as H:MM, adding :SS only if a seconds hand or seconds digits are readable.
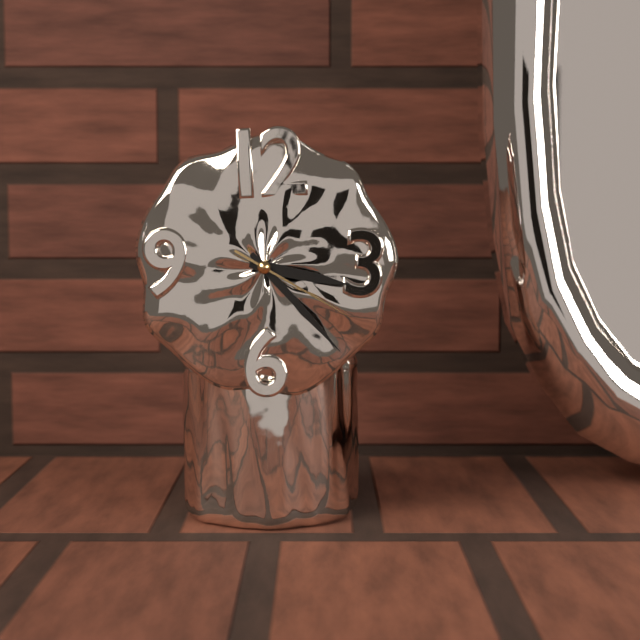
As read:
3:23:20
